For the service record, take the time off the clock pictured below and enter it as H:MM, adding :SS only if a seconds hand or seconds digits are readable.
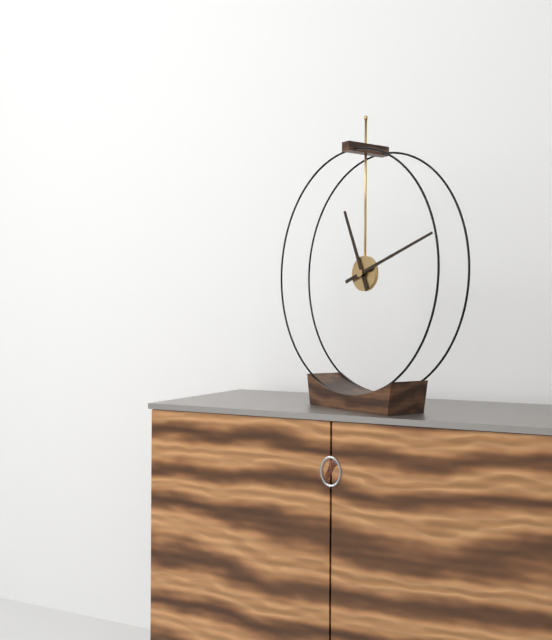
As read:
11:12
